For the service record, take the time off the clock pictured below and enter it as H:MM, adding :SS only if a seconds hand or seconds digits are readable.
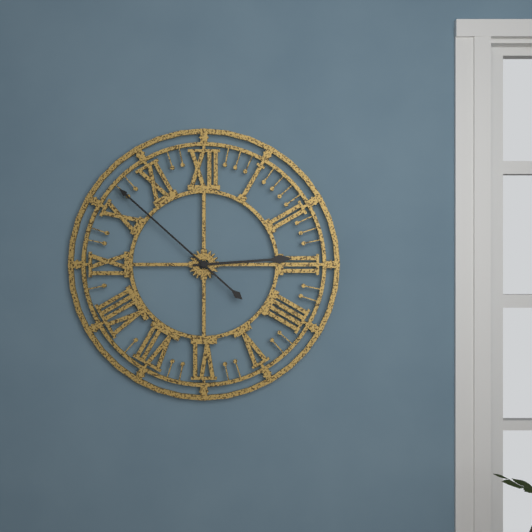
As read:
2:52
